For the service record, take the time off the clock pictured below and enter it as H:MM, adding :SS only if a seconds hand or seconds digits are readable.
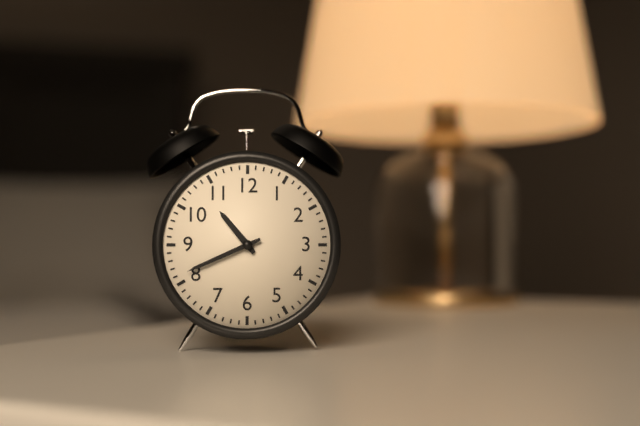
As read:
10:41
